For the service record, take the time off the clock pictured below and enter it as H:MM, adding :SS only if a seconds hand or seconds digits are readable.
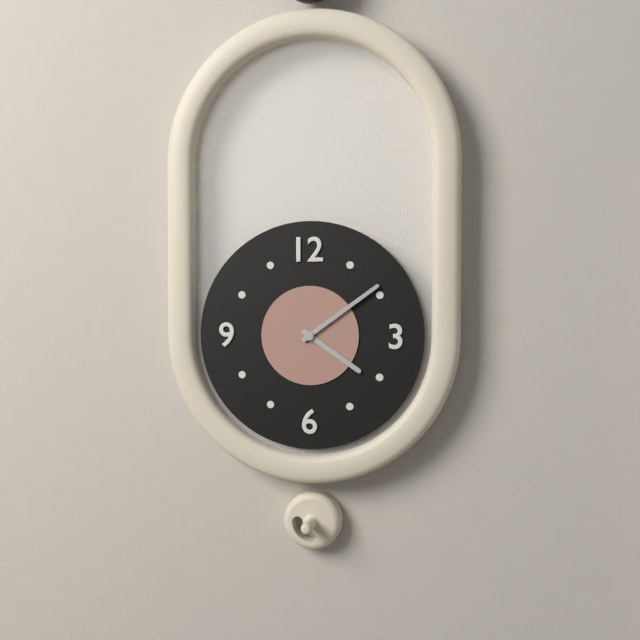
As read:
4:09
